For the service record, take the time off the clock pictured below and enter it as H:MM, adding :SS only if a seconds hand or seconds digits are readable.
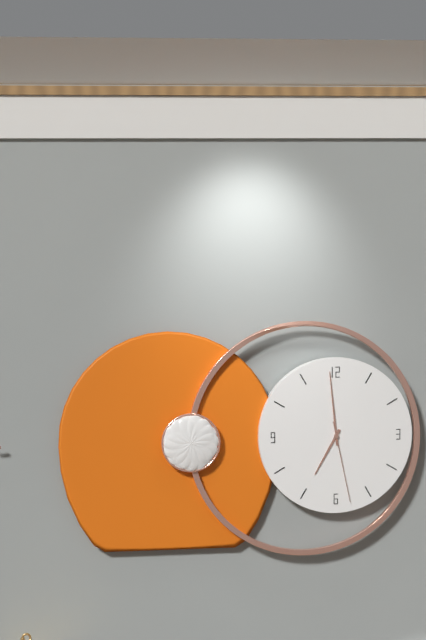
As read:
6:59:28
